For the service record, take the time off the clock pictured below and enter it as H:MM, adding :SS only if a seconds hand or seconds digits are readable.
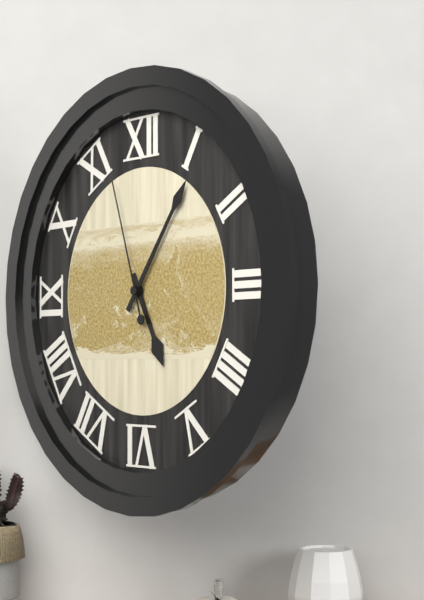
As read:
5:06:57
